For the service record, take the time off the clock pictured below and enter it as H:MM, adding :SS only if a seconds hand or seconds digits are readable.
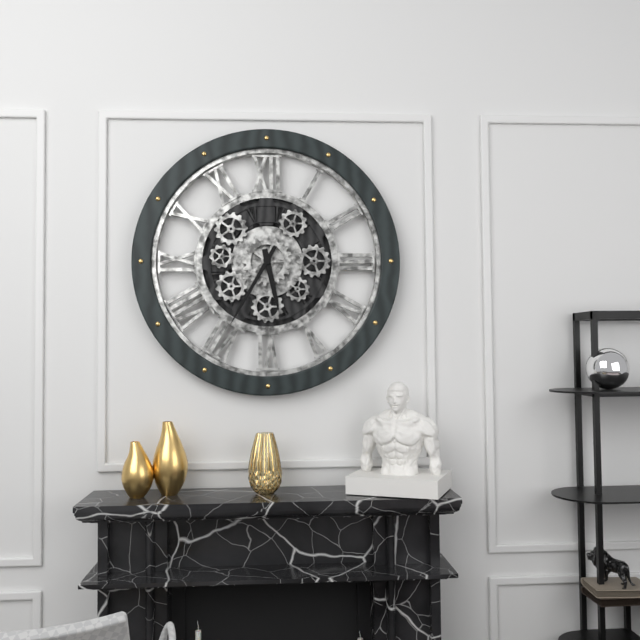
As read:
5:35
